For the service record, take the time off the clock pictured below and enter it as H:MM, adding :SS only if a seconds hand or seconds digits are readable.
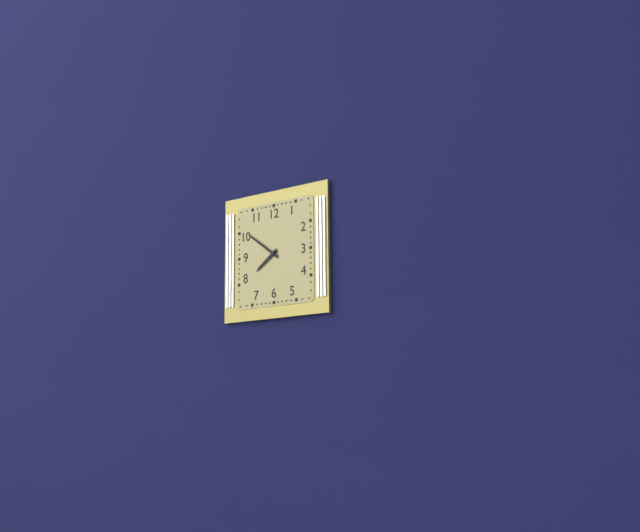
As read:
7:51
